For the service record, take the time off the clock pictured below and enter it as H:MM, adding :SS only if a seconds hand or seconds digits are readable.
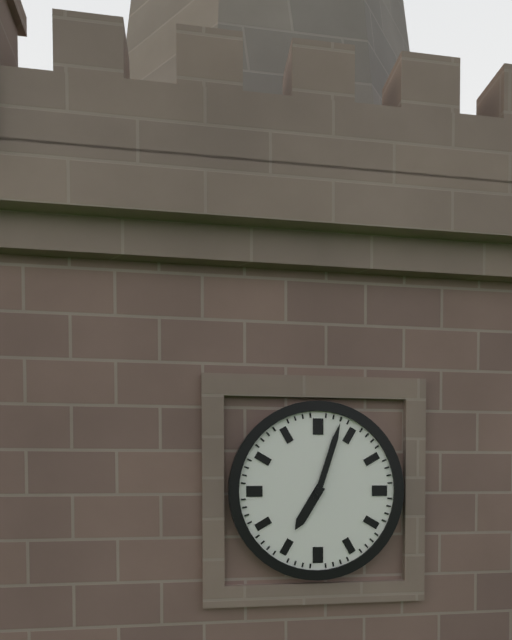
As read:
7:03
